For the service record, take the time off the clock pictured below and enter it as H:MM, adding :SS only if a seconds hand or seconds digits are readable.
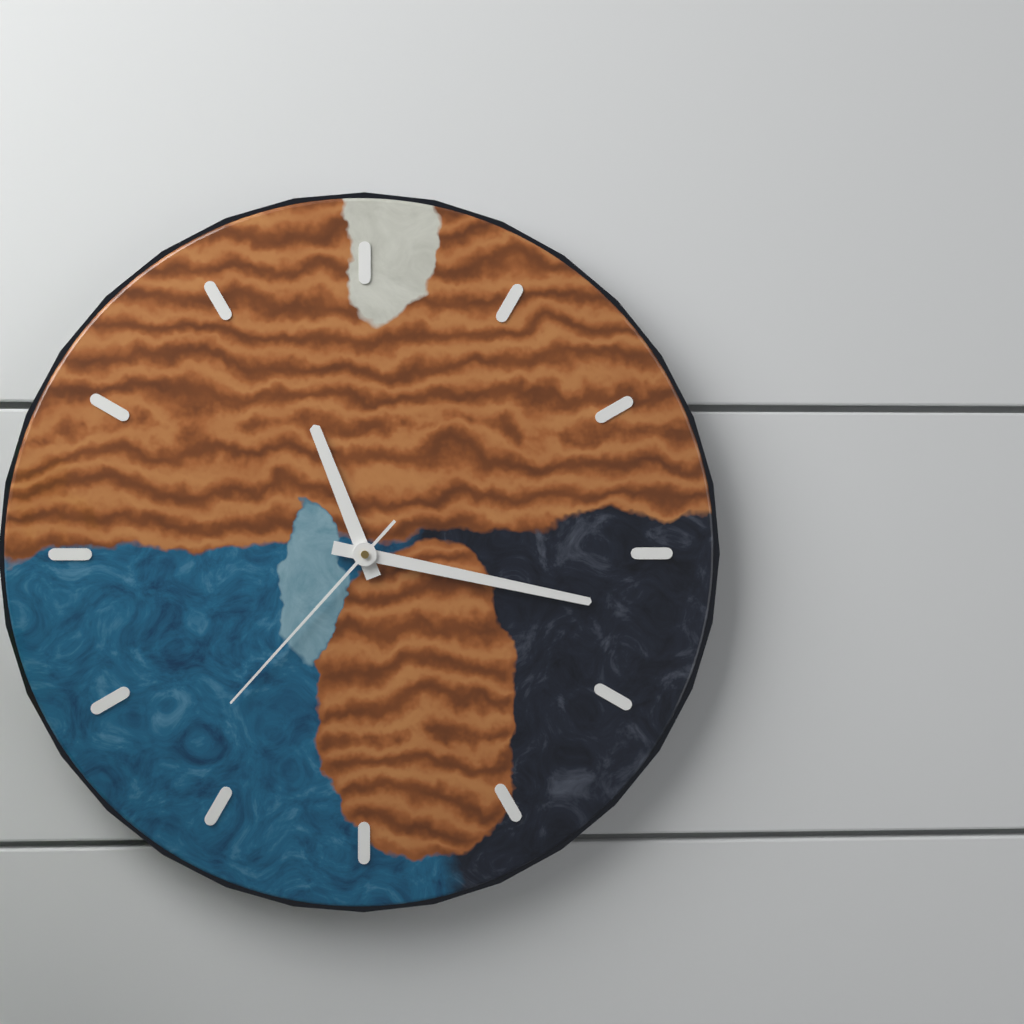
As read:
11:17:37
